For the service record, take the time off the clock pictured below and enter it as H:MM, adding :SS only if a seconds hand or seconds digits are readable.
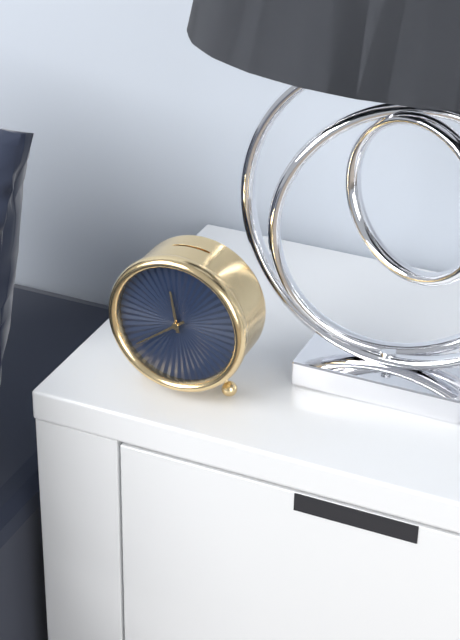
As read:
11:39
